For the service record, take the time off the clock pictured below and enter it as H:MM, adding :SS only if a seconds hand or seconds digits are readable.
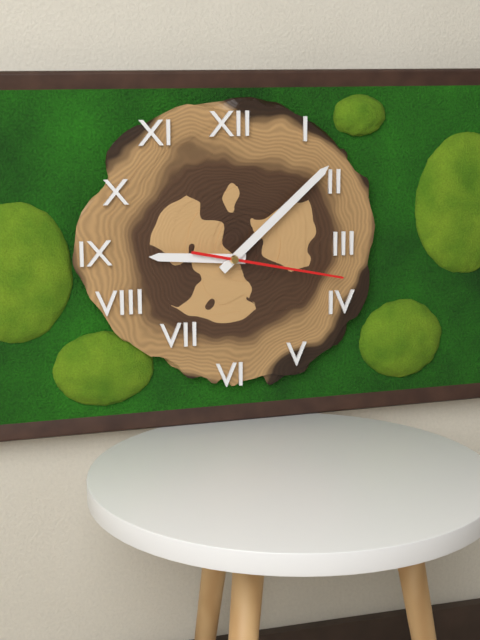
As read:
9:08:17
